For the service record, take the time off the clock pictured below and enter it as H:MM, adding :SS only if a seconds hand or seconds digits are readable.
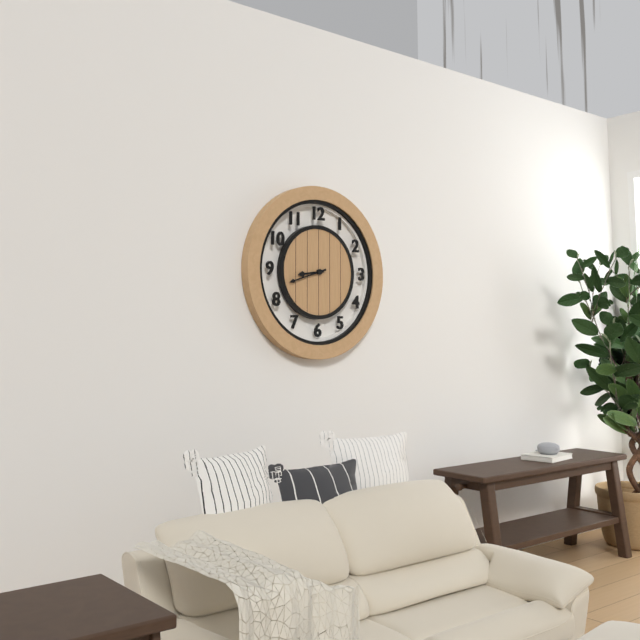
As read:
8:42
